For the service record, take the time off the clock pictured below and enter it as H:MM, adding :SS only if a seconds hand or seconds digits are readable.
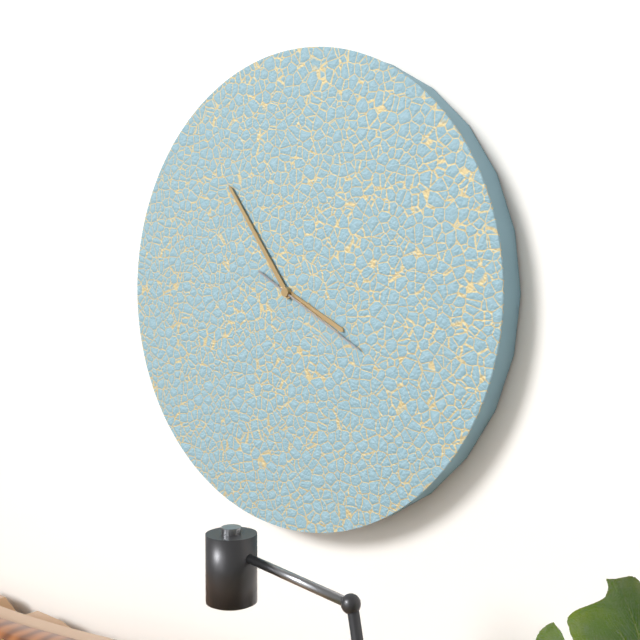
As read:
3:54:20
